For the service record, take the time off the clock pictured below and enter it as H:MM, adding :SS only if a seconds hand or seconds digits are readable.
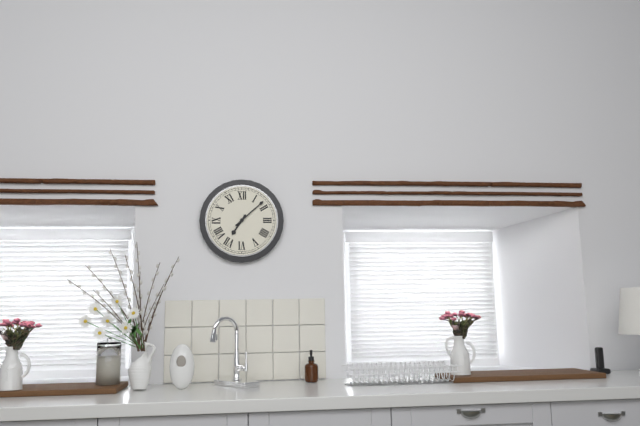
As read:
7:08
